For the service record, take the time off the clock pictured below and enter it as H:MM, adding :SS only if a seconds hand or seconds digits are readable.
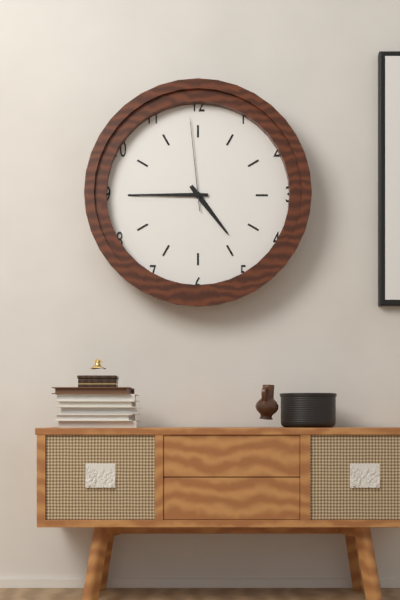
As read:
4:45:59
